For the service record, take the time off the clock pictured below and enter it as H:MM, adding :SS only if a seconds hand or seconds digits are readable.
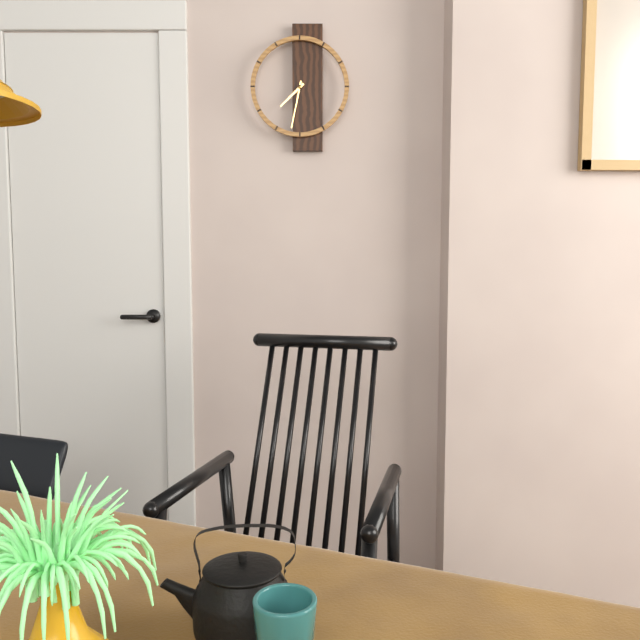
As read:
7:32
